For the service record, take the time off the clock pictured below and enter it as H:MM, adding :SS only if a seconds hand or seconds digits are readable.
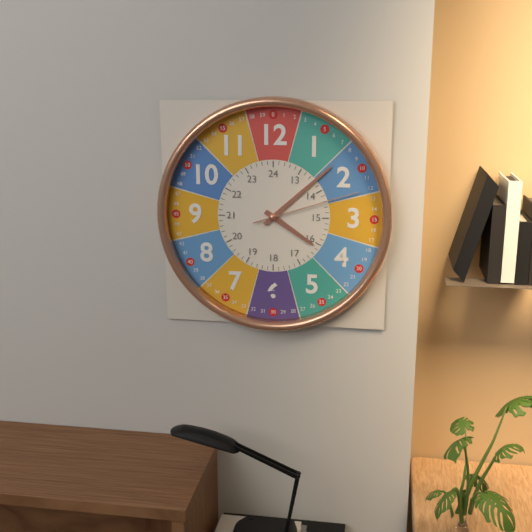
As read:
4:08:12
